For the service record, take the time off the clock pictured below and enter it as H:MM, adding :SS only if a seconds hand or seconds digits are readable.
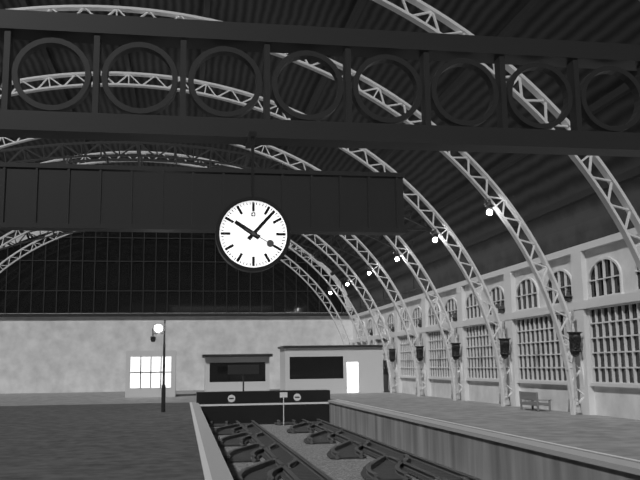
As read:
10:07
